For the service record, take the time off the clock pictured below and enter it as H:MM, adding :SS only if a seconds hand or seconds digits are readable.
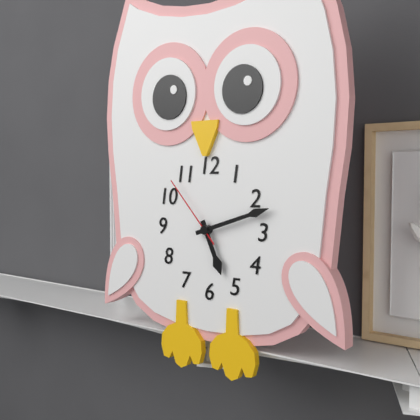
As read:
5:12:53
